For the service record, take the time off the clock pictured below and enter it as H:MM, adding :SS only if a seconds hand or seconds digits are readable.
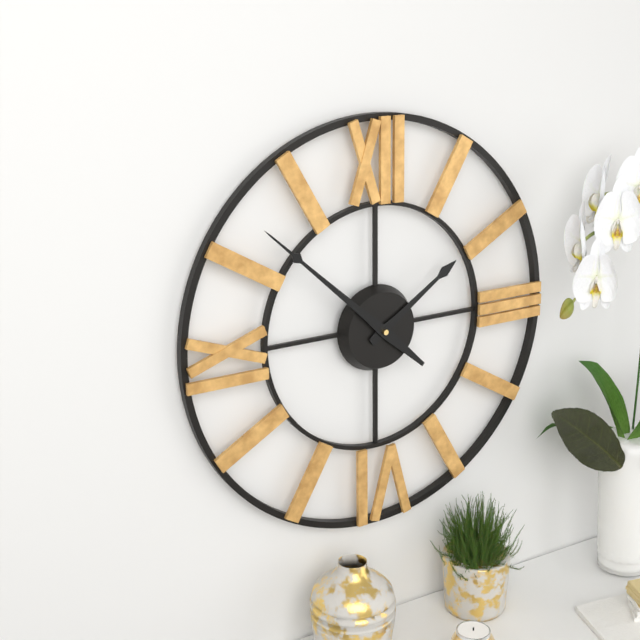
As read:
1:52
